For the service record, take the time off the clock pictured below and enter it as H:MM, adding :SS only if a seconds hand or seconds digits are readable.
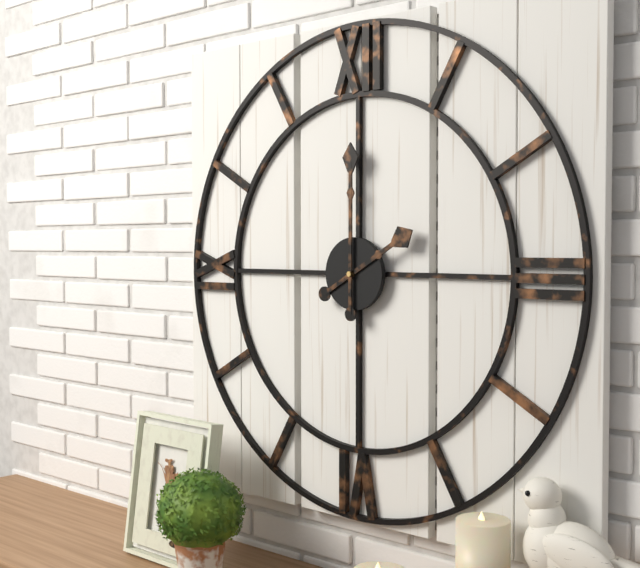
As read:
2:00
